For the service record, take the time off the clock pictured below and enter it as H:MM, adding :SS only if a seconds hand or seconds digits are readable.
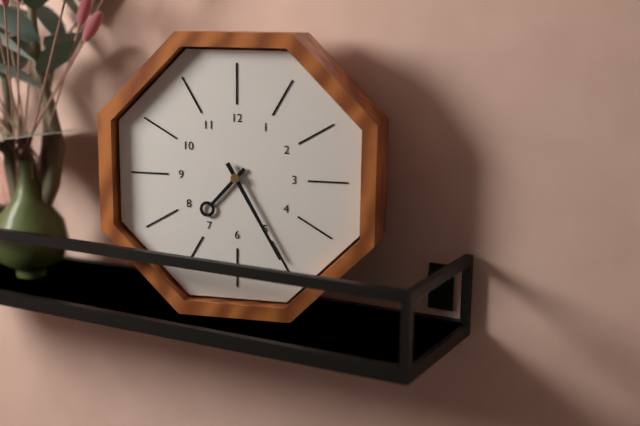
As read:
7:25
